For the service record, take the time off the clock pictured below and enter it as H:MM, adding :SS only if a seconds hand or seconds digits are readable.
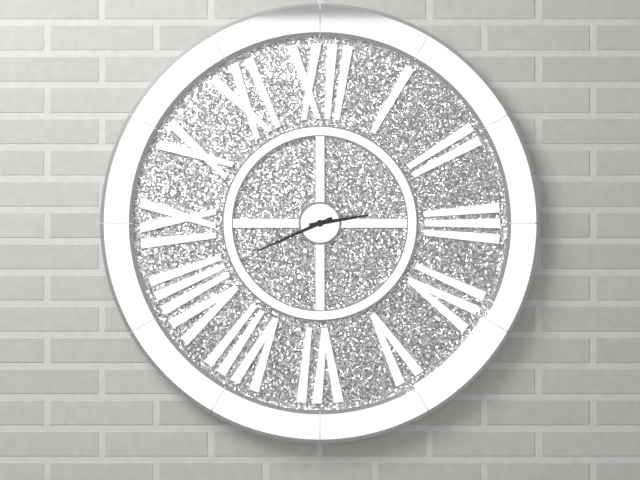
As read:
2:41
